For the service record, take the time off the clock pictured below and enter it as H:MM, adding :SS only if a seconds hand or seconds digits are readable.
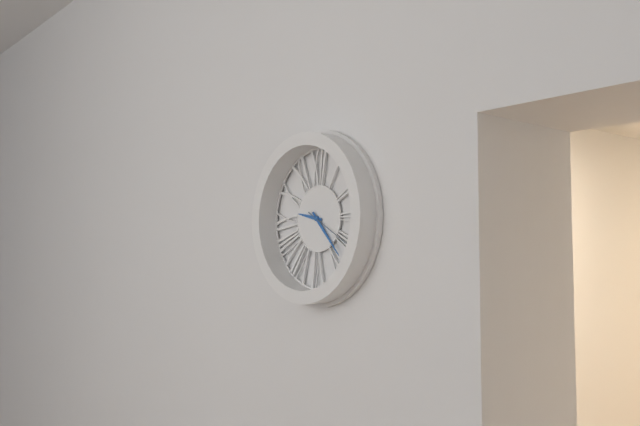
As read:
9:23:20
